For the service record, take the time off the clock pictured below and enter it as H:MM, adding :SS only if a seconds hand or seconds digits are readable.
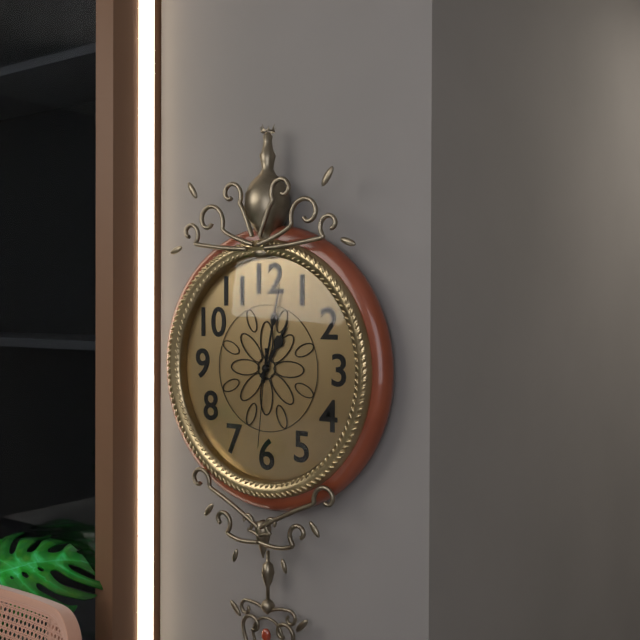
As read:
1:02:31
